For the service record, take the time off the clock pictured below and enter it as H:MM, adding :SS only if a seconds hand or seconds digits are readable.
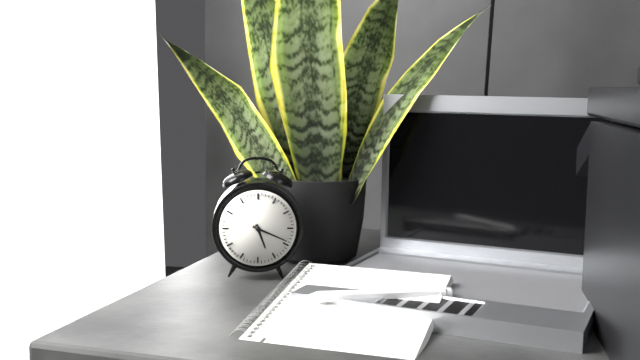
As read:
5:19
